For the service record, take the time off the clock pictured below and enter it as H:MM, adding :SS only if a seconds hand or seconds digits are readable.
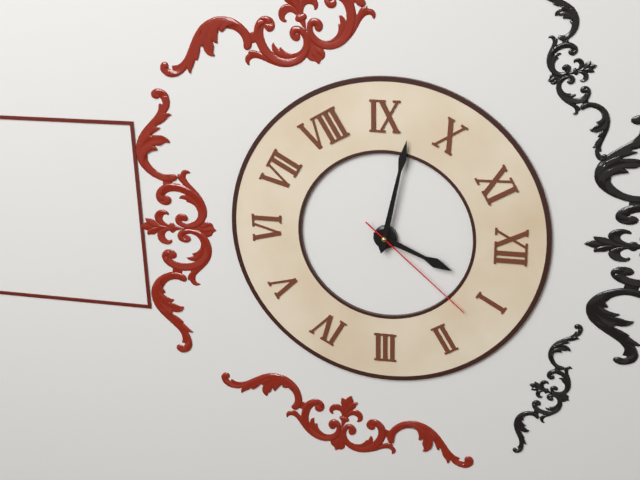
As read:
12:47:07
